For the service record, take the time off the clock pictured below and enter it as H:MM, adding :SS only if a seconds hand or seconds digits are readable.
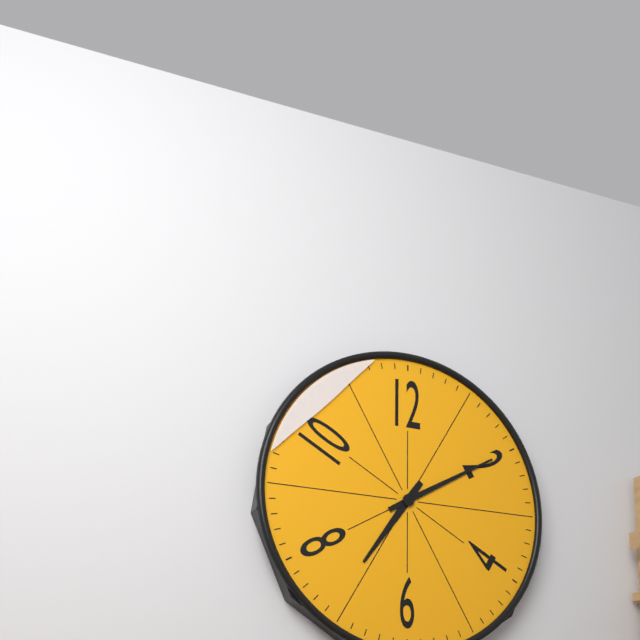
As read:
7:10
